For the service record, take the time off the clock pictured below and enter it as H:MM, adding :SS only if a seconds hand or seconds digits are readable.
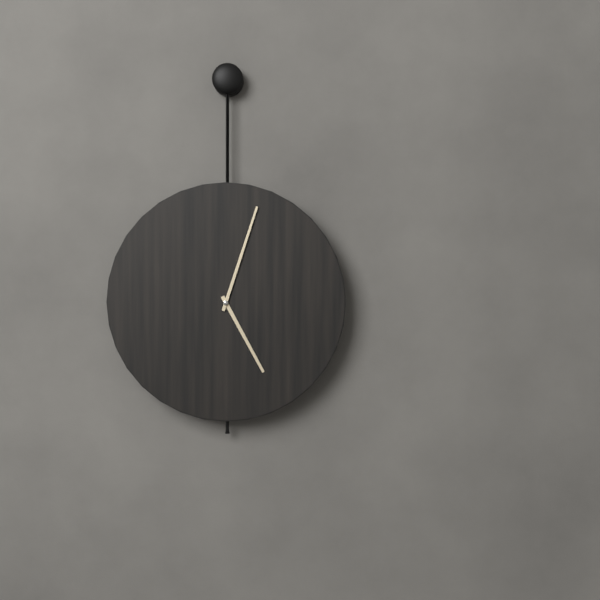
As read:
5:03
